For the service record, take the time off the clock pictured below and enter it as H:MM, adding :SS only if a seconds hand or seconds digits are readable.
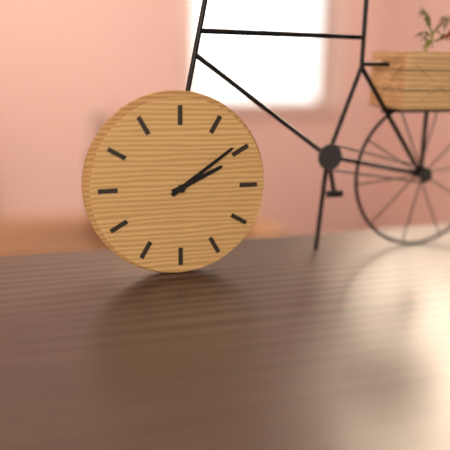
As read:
2:09
